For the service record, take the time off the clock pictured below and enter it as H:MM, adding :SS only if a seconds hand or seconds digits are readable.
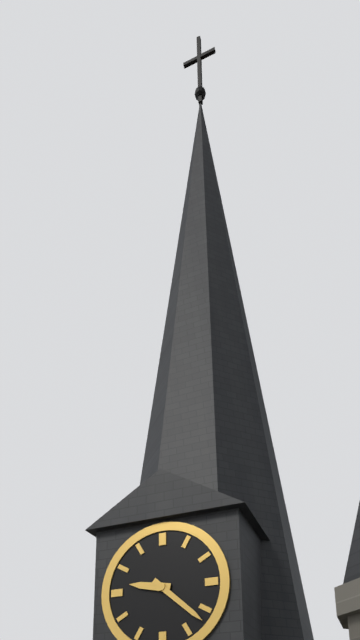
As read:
9:22
